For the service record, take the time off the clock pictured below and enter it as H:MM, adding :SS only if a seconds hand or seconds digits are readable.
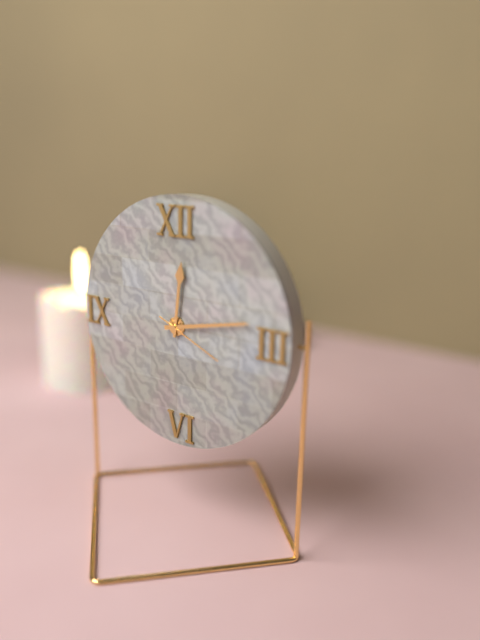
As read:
12:13:19
